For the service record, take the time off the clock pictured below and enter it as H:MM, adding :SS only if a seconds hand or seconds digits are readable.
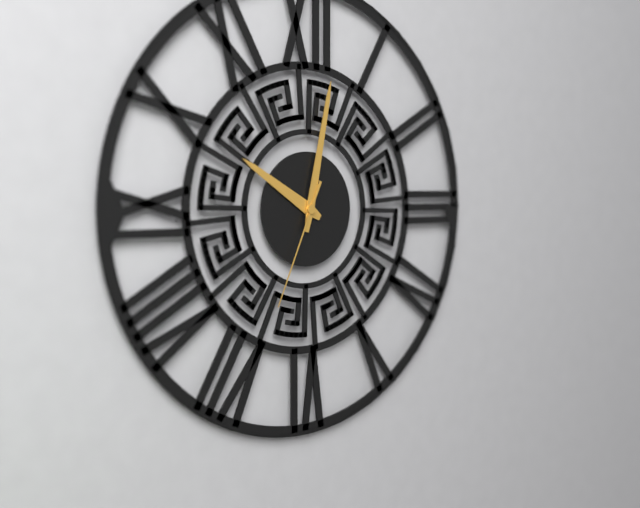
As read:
10:02:34
